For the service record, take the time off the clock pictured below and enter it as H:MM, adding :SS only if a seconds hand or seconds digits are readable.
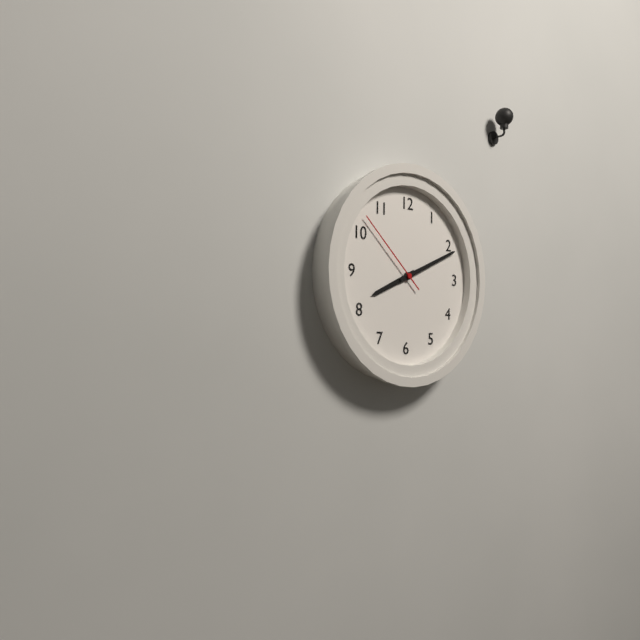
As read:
8:11:52
